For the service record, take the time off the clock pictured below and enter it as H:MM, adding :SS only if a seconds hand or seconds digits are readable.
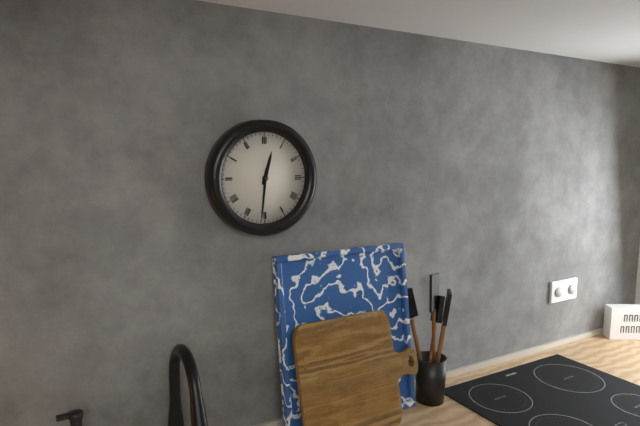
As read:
12:31
